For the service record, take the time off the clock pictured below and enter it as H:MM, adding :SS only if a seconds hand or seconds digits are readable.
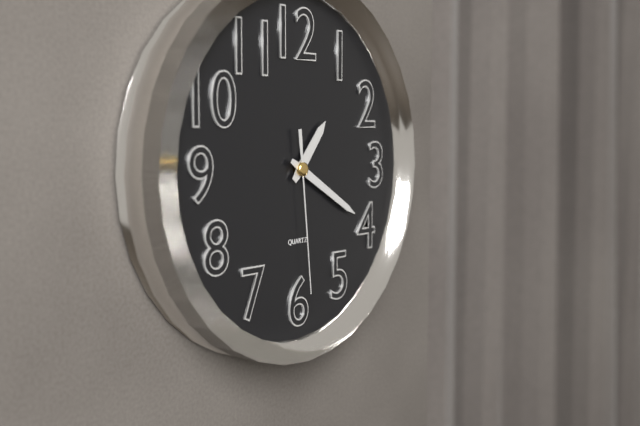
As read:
1:20:29
